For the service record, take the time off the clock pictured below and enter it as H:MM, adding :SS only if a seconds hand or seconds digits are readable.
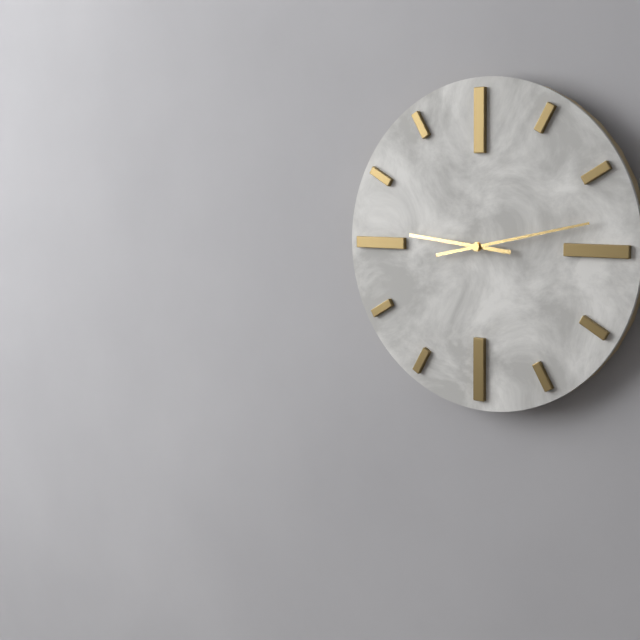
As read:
9:13
